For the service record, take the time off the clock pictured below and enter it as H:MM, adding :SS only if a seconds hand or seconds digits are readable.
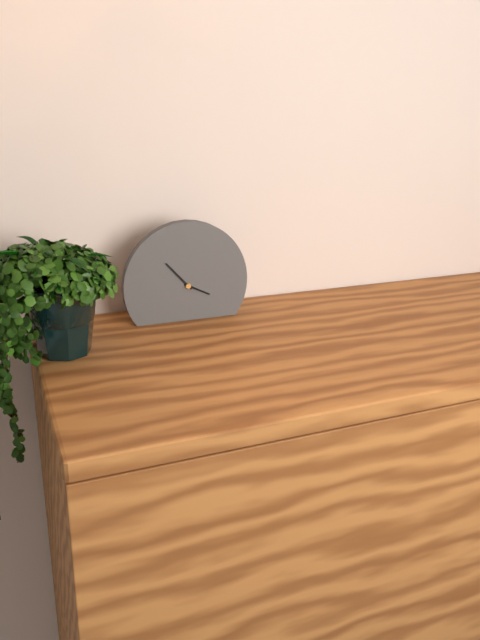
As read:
3:53
